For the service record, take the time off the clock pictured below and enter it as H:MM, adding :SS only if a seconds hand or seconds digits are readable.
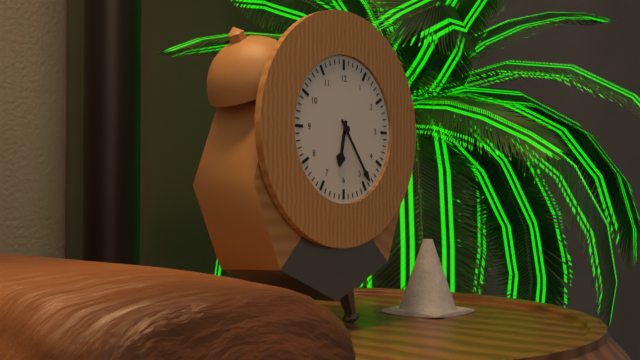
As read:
6:24
